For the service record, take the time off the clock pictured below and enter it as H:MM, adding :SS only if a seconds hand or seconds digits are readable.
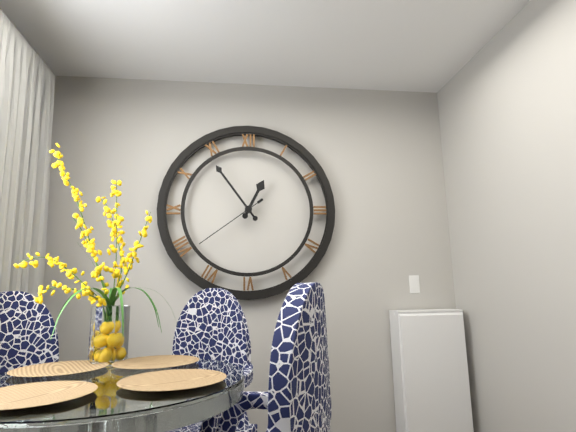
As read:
12:54:39
